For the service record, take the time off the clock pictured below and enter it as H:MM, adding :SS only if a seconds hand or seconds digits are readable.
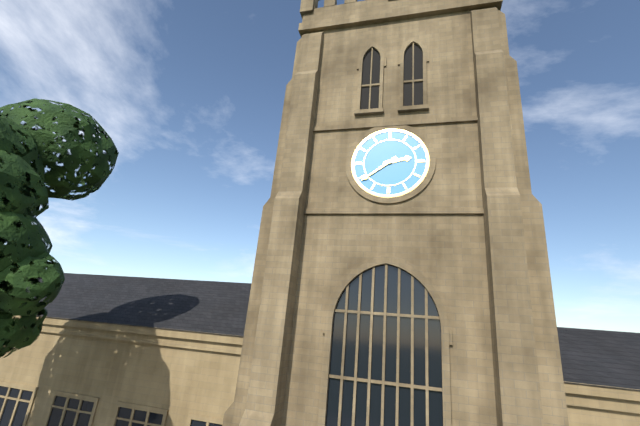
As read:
2:39
